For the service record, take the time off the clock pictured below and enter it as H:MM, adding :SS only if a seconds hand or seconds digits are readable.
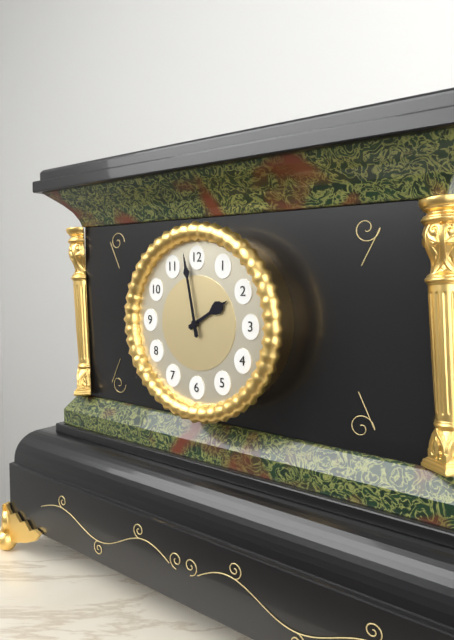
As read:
1:58
